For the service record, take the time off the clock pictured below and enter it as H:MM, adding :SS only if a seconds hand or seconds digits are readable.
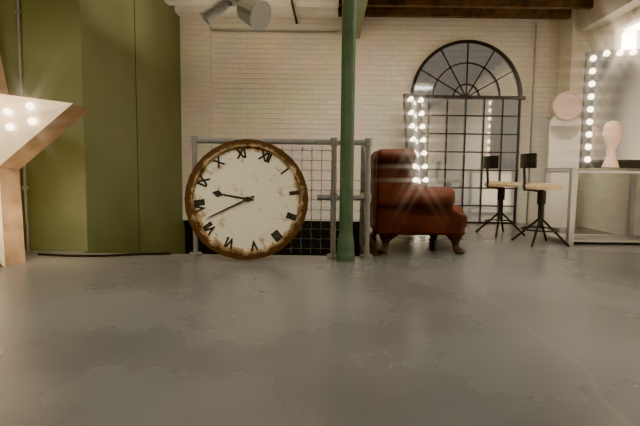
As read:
8:37
